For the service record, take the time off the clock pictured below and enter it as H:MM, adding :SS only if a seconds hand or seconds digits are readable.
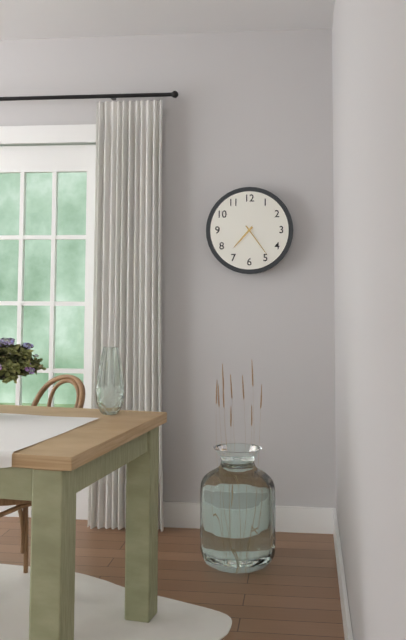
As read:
7:24
